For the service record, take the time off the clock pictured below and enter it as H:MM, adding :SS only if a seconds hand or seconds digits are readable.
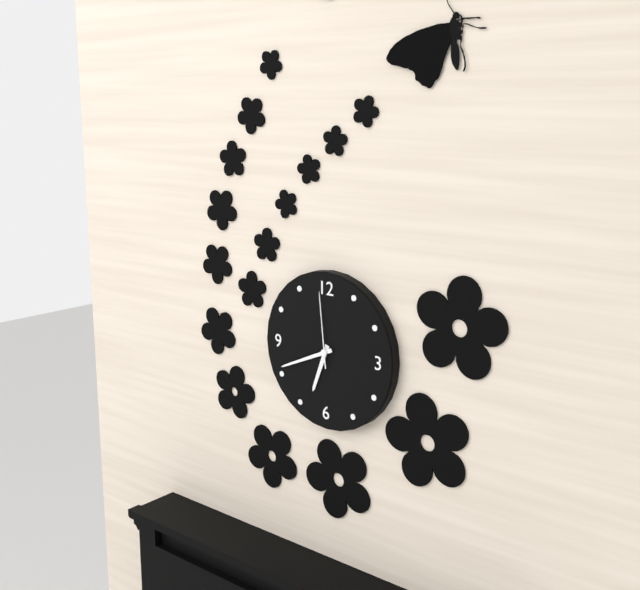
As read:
6:41:59
